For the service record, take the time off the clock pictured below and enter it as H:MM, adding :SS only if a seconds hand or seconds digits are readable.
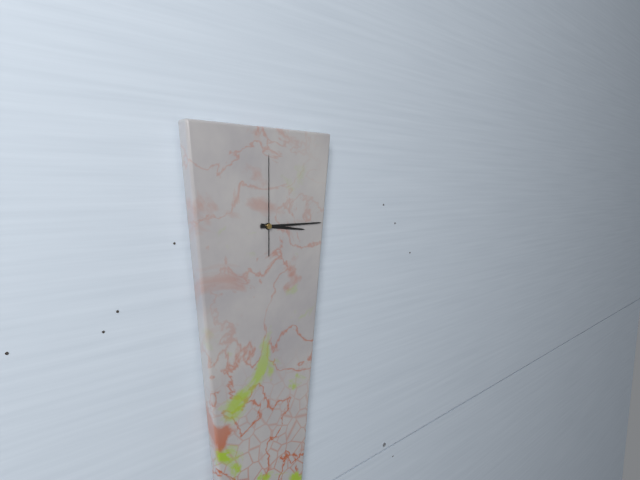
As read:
3:15:00
